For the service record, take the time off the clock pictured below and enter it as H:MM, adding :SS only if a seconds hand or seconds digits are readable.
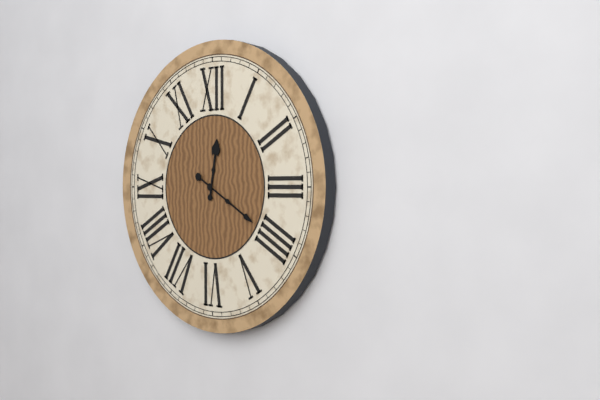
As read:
12:20
